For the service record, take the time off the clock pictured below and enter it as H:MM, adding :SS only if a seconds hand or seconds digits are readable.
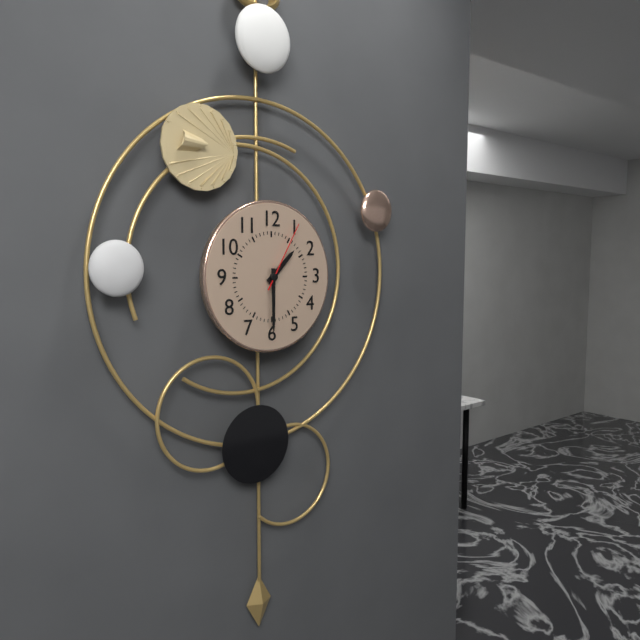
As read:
1:30:05
